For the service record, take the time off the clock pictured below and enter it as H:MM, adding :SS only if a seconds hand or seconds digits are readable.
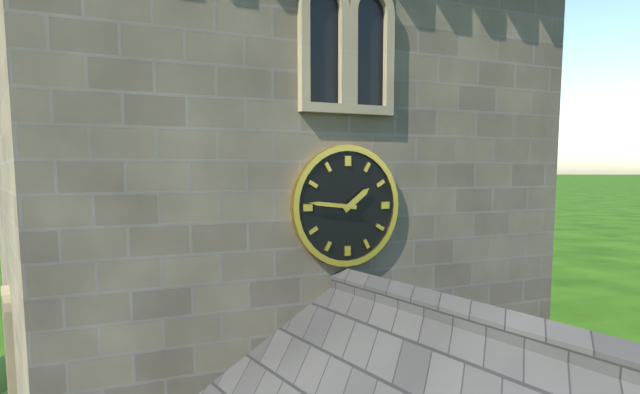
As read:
1:46
